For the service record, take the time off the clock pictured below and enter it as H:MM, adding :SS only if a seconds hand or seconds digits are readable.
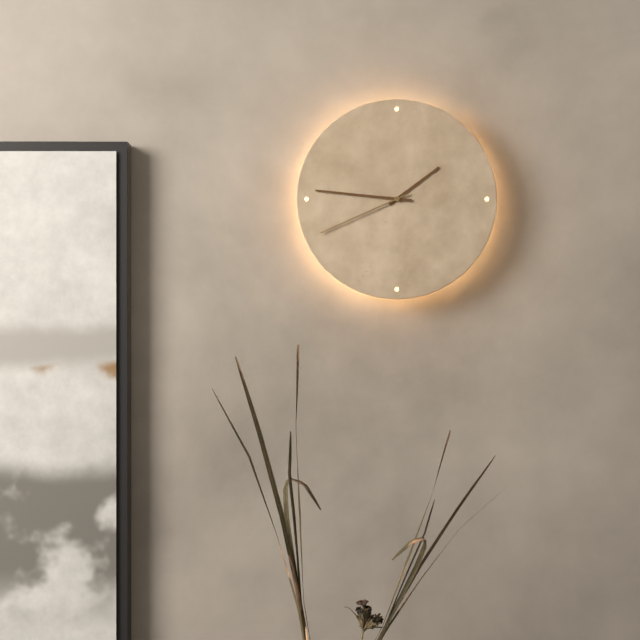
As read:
1:46:41
